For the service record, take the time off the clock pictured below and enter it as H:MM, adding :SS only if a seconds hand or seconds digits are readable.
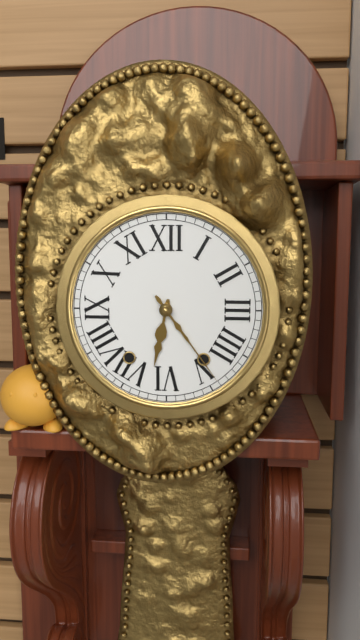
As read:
6:24
